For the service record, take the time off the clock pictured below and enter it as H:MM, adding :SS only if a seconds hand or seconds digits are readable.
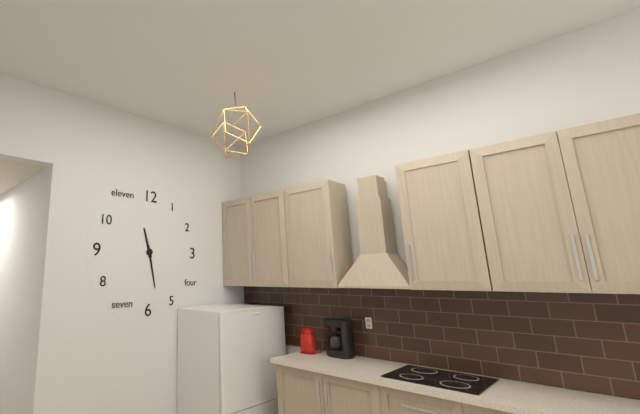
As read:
11:28
